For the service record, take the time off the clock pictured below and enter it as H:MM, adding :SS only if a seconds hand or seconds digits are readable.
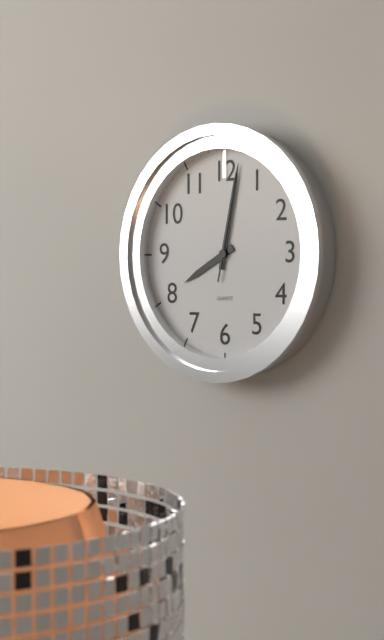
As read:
8:02:02
